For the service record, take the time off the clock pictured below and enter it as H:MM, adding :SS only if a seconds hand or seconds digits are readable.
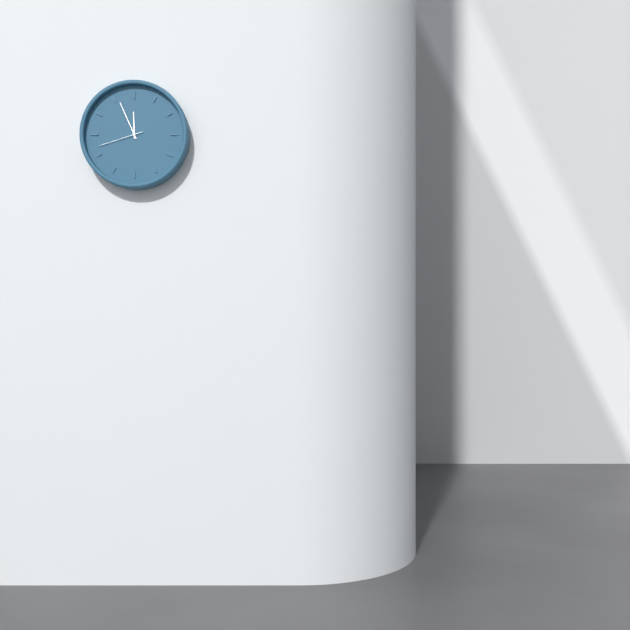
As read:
11:56
